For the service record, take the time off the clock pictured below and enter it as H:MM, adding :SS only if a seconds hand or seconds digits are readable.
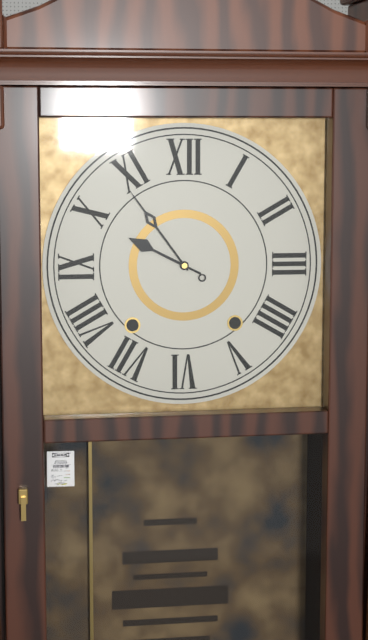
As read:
9:54
